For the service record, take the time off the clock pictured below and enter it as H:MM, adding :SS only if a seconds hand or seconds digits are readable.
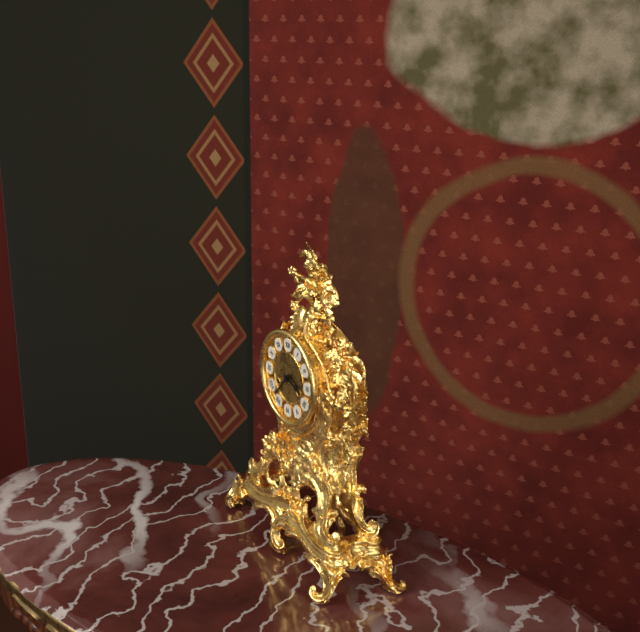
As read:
3:37
